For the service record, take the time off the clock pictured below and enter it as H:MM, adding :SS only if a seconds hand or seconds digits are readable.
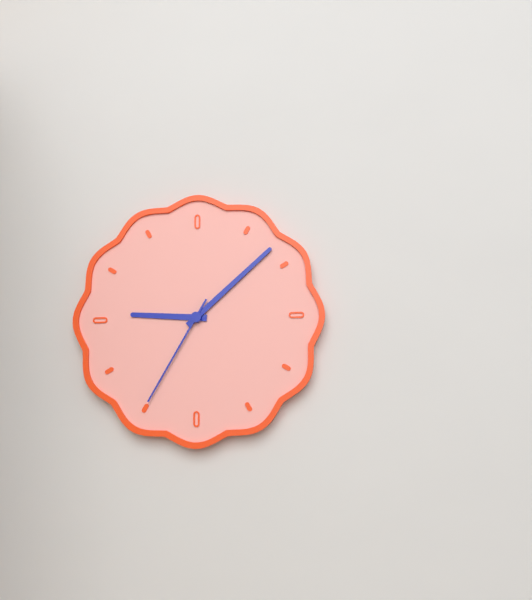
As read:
9:08:35
